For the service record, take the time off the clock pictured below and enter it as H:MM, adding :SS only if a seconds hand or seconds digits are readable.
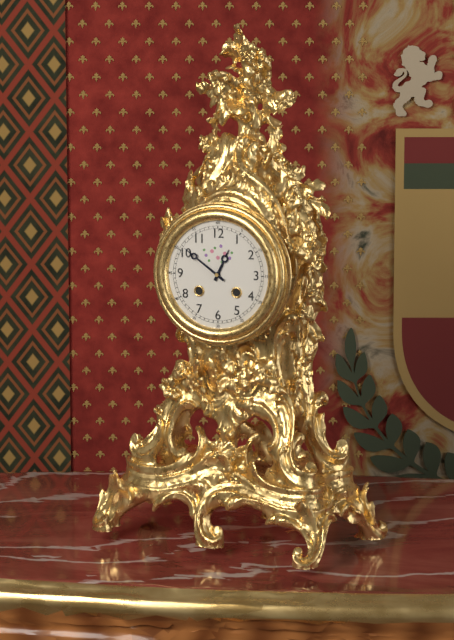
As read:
12:51
